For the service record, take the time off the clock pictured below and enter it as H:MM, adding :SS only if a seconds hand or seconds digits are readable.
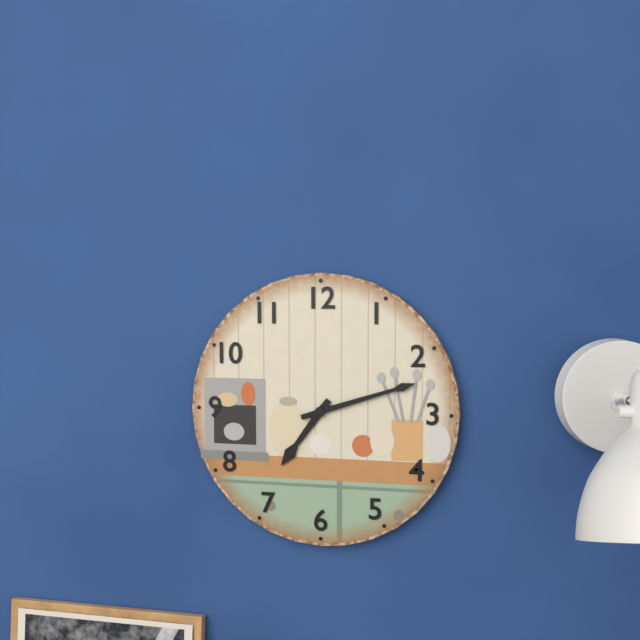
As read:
7:12
